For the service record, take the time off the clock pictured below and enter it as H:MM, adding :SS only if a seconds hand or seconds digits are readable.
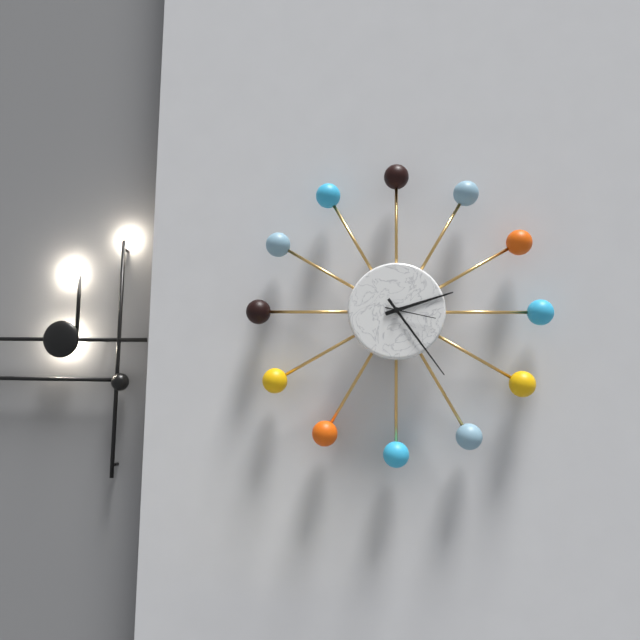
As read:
2:24:17
